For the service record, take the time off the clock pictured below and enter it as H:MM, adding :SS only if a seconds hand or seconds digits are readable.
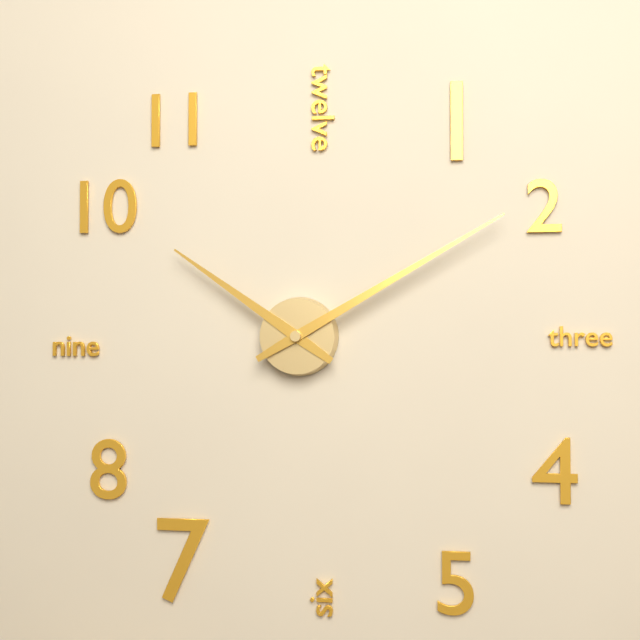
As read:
10:10
